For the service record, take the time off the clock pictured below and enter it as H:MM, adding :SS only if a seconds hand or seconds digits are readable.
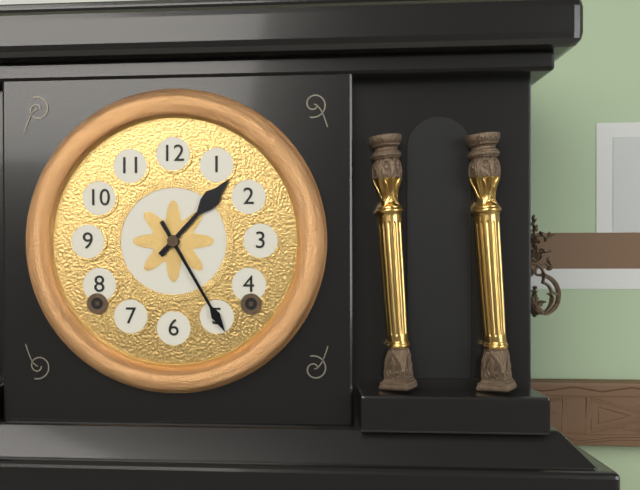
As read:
1:25
